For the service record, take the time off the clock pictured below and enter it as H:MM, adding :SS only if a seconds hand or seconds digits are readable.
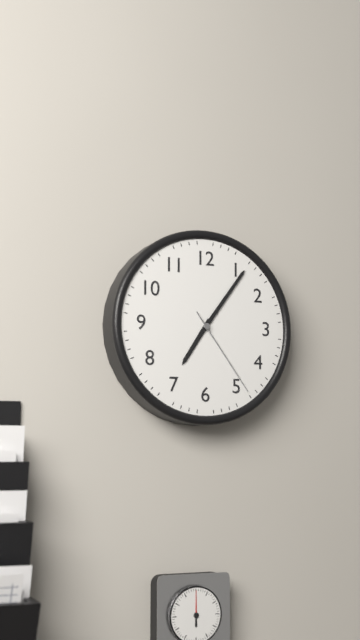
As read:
7:06:24
